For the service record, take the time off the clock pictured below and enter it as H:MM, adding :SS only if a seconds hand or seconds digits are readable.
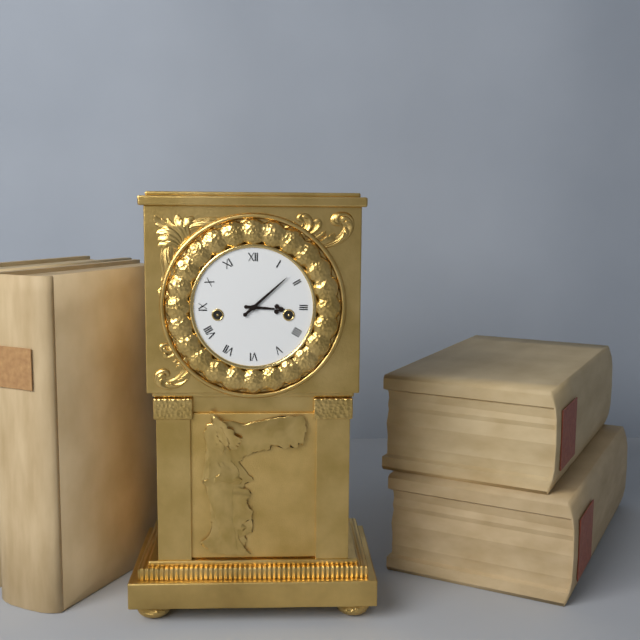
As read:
3:08
